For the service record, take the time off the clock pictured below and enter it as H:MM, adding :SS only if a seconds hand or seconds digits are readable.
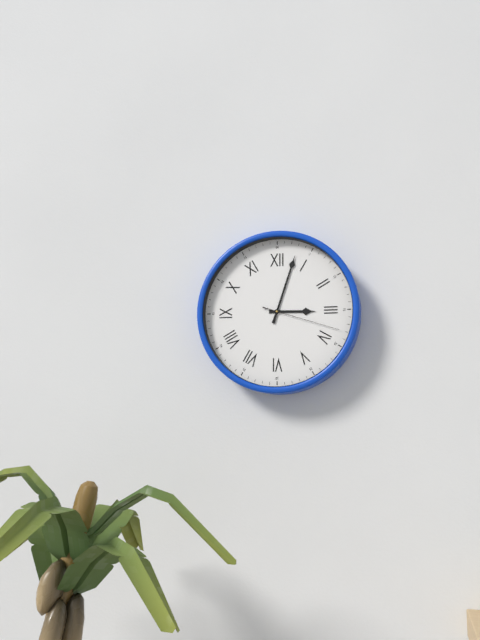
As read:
3:03:18
